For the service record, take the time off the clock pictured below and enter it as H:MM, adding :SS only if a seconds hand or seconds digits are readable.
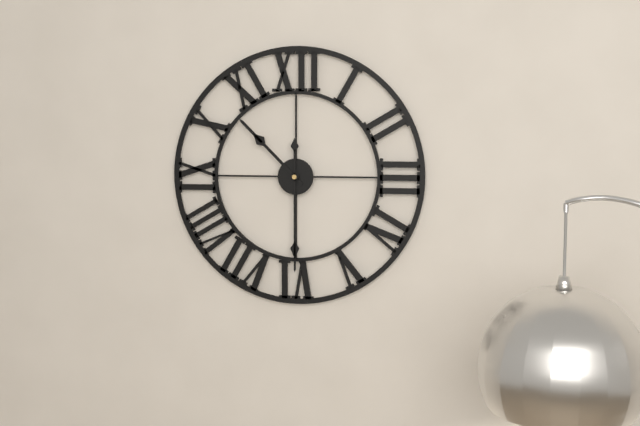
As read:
10:30
